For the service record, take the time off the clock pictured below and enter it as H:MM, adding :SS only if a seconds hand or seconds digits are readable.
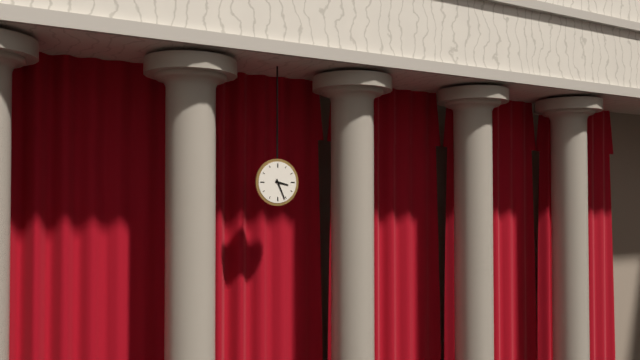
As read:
3:26
